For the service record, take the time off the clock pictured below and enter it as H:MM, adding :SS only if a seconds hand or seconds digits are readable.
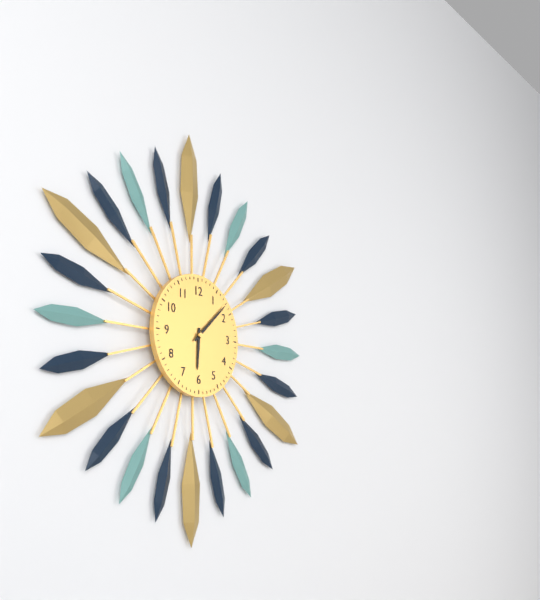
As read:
6:08
